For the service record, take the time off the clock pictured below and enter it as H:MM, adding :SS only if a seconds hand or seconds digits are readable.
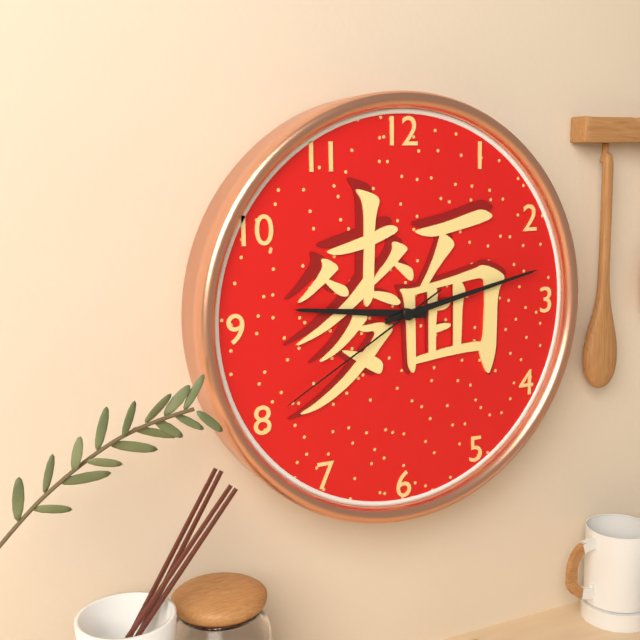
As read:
9:13:40
